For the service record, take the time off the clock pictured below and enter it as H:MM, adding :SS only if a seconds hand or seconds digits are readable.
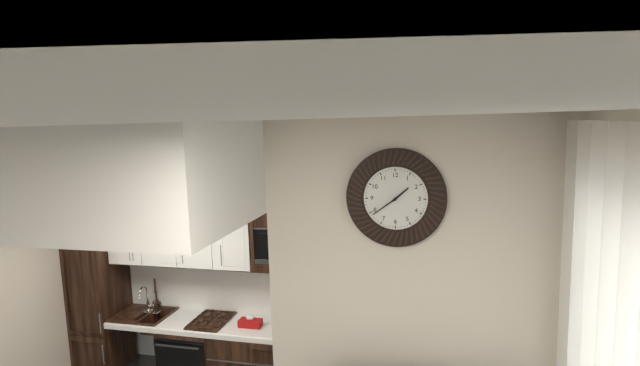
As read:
1:39
